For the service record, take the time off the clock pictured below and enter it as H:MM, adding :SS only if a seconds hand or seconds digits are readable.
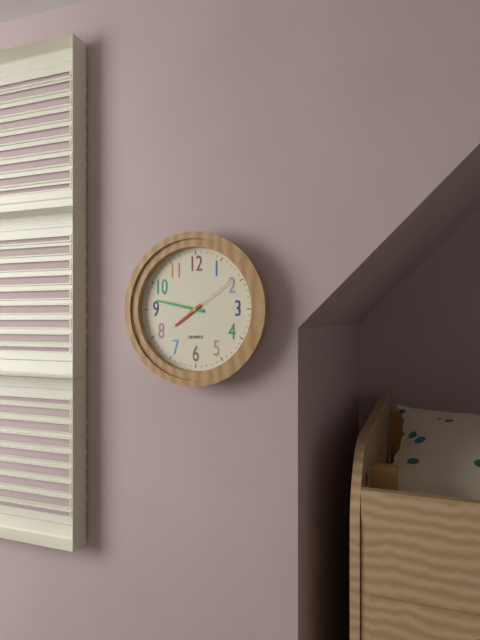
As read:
7:47:09
